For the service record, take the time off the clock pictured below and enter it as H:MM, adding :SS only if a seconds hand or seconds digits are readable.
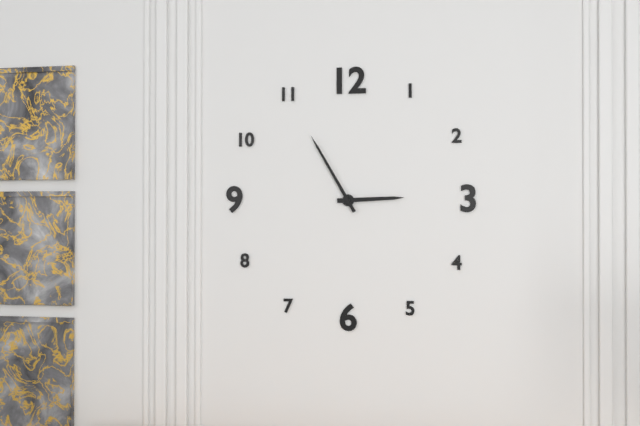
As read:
2:55
